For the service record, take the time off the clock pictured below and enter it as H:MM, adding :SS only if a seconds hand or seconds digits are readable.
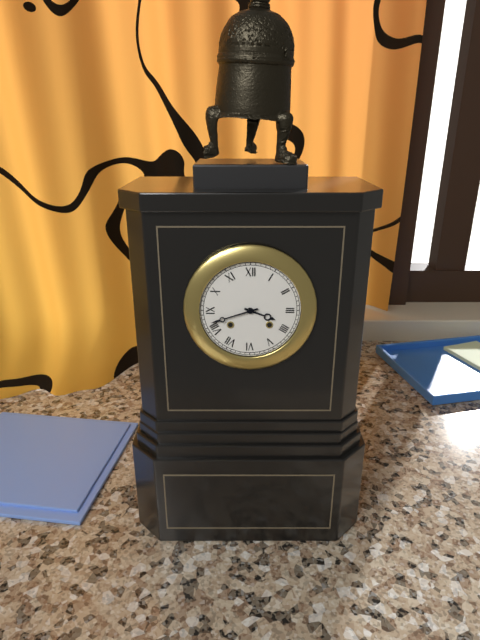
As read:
3:42
